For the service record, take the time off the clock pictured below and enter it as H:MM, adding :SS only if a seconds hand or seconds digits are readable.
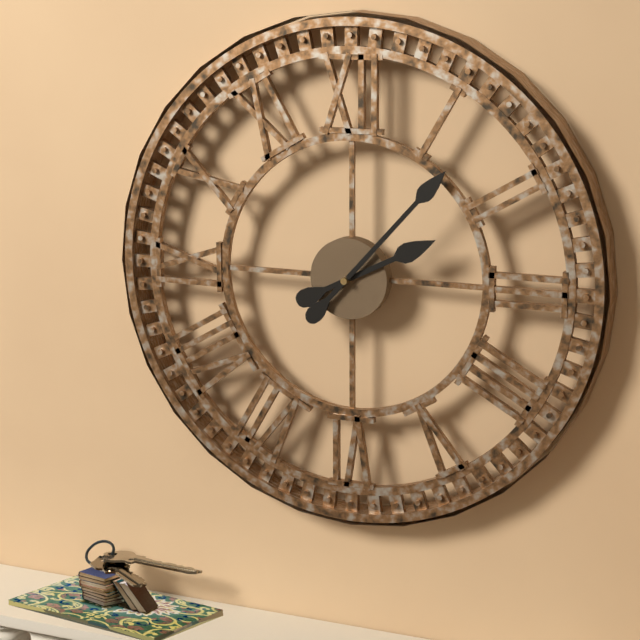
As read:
2:07
